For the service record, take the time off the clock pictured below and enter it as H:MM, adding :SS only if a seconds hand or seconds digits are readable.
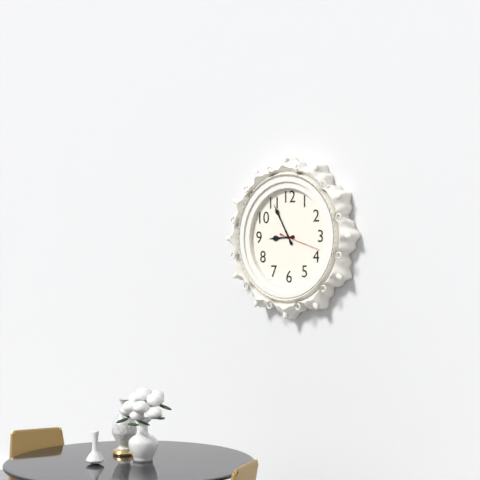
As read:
8:55
